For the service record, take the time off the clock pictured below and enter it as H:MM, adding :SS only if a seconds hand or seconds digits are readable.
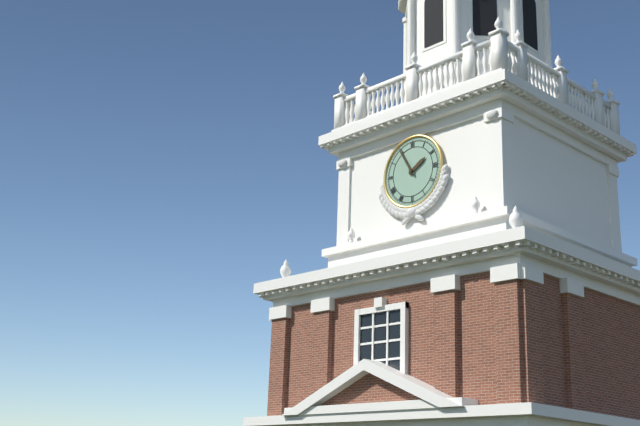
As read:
1:55
